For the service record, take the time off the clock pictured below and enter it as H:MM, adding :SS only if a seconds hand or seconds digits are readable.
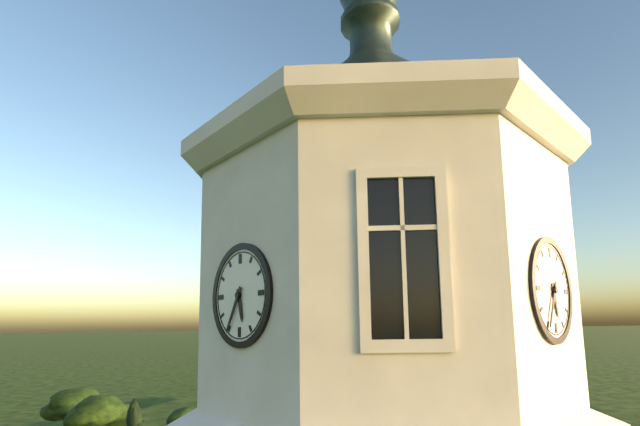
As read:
5:35
